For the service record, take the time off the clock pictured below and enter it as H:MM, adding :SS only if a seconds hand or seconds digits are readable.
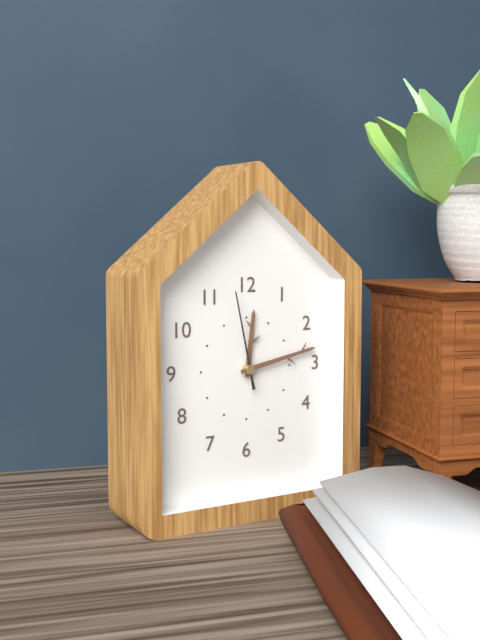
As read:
12:13:58
